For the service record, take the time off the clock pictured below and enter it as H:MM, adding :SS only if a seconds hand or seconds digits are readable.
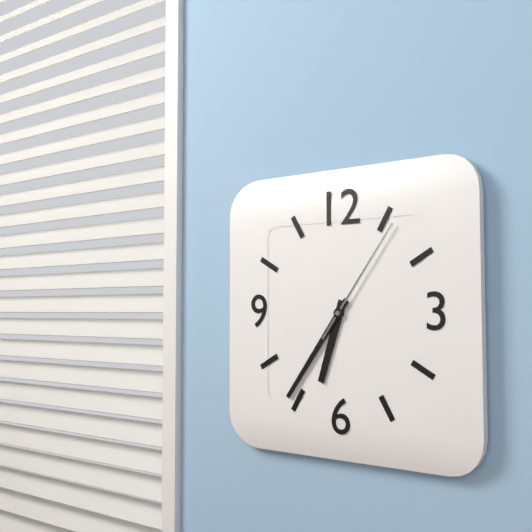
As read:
6:36:06
